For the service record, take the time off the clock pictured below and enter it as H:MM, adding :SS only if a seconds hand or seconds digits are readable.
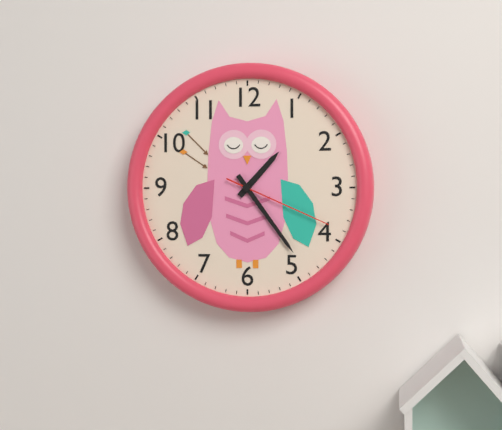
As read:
1:24:19
